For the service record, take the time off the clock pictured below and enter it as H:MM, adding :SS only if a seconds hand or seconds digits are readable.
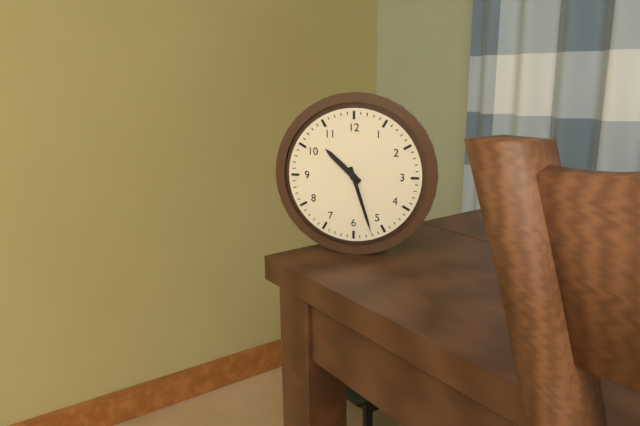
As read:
10:27
